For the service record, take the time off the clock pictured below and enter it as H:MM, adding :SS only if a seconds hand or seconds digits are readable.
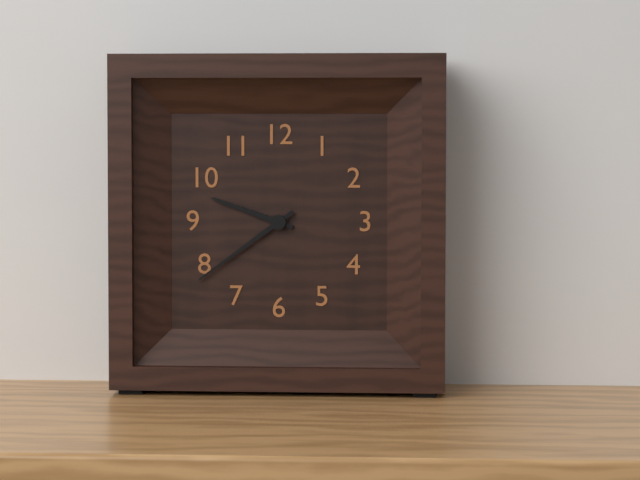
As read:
9:39
